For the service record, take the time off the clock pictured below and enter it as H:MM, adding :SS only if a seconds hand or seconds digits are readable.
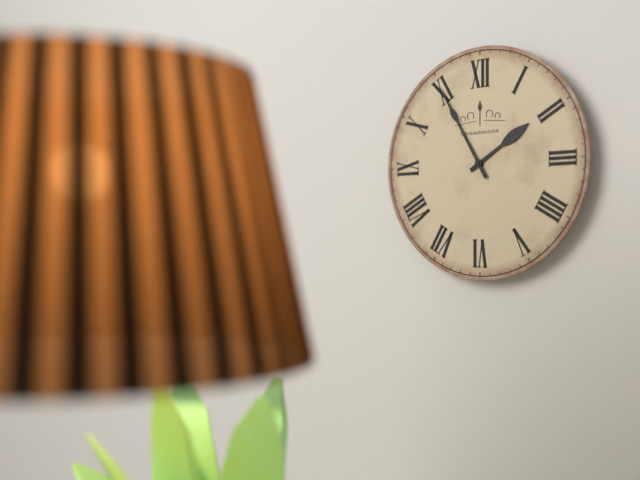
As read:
1:55
